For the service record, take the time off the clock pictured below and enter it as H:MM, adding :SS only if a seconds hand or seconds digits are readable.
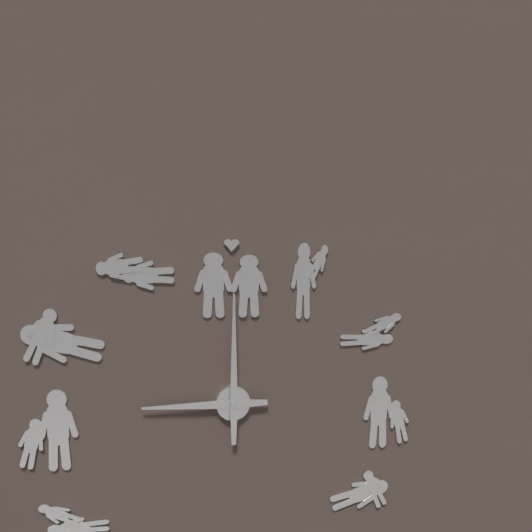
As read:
9:00
